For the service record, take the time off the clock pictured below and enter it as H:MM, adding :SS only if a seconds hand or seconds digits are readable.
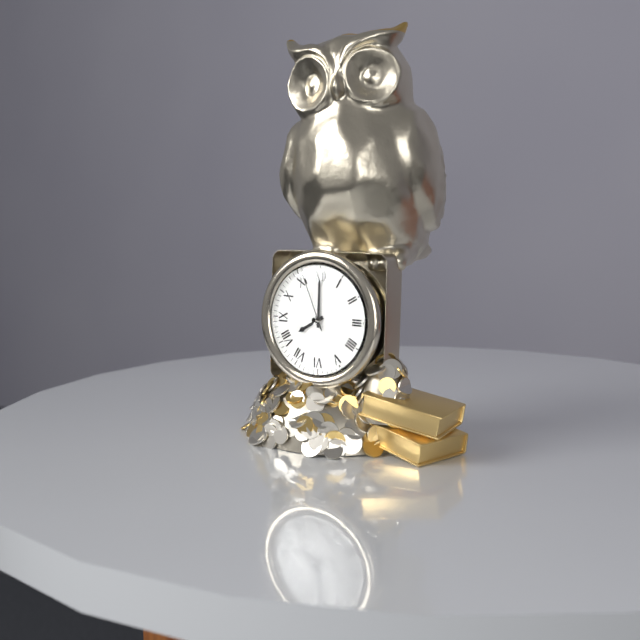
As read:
8:00:56
